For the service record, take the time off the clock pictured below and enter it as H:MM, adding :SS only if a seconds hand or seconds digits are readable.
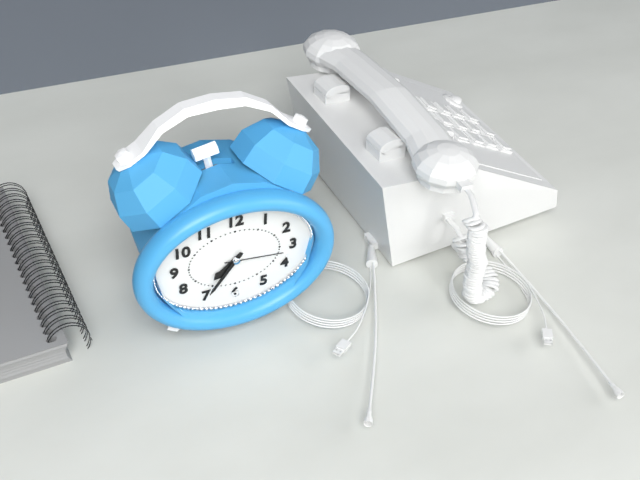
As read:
7:36:16
